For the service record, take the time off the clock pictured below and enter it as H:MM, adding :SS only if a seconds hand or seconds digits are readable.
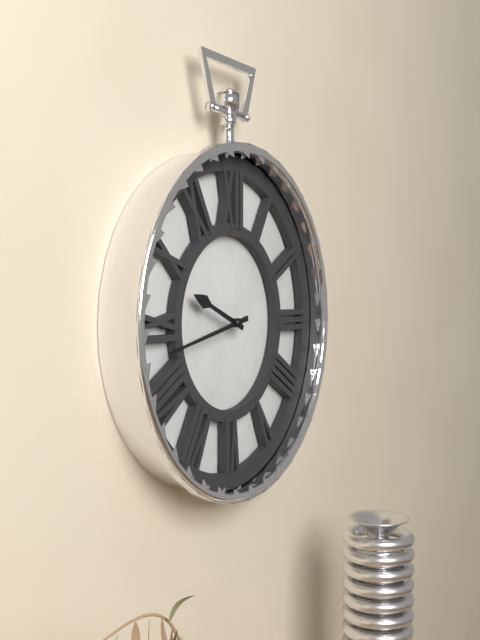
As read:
9:43
